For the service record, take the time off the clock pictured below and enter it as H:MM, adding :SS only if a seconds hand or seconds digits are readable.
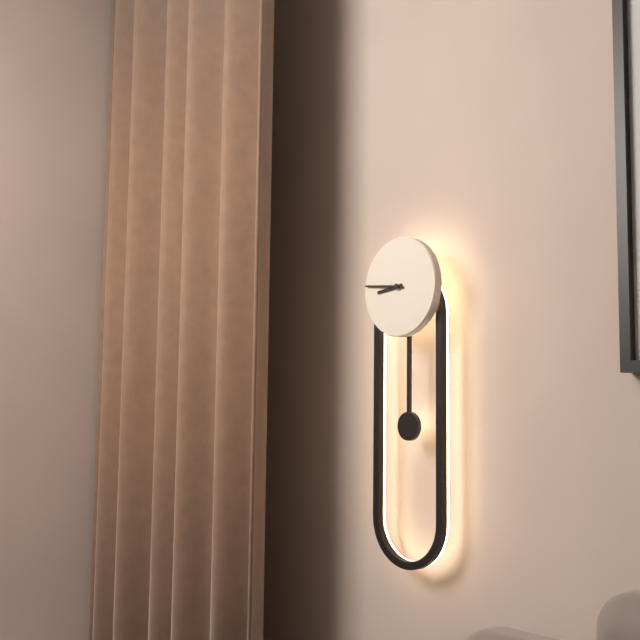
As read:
8:46
